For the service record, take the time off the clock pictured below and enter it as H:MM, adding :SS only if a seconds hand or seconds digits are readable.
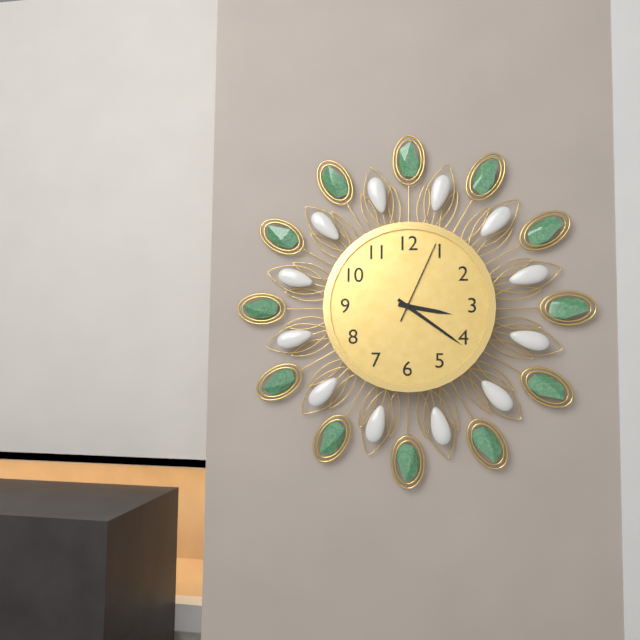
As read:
3:21:04
